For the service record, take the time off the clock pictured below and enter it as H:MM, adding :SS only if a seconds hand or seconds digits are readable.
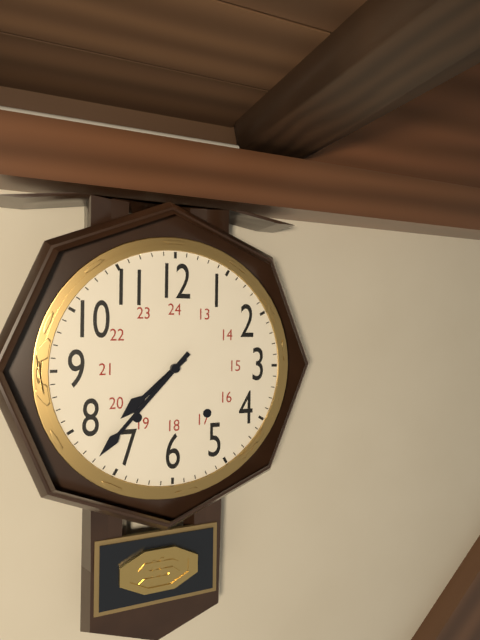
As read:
7:37
